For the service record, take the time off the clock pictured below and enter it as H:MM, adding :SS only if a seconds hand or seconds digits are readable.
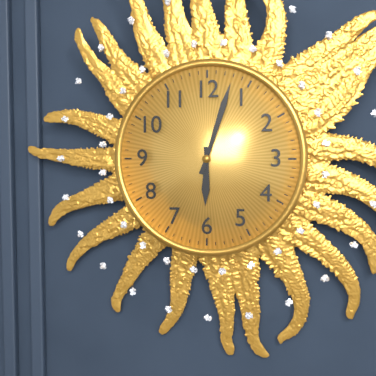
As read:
6:03
